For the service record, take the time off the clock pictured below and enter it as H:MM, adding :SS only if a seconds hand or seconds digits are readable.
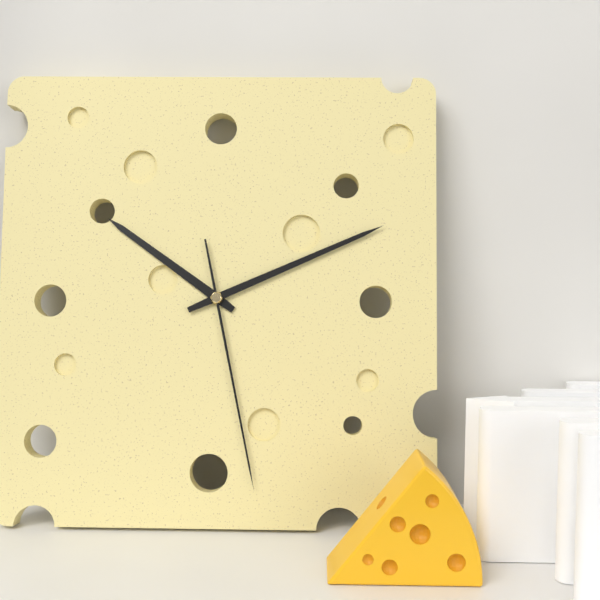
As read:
10:11:28
